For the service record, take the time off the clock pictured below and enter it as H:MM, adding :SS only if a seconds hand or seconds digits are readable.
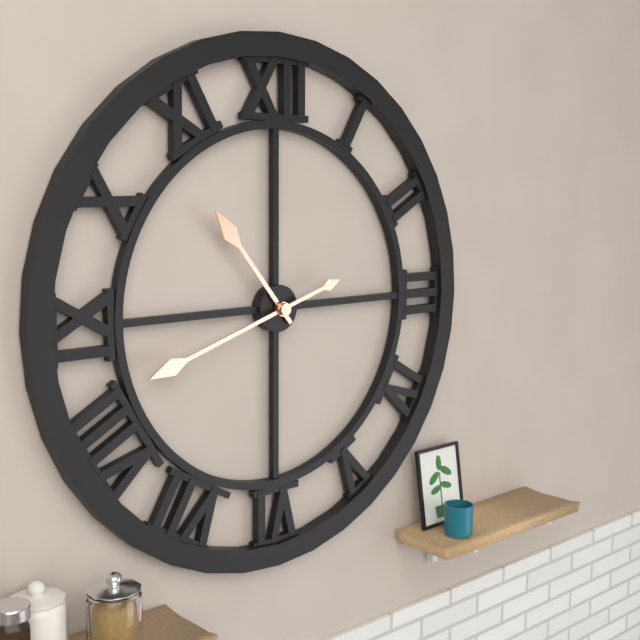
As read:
10:42
